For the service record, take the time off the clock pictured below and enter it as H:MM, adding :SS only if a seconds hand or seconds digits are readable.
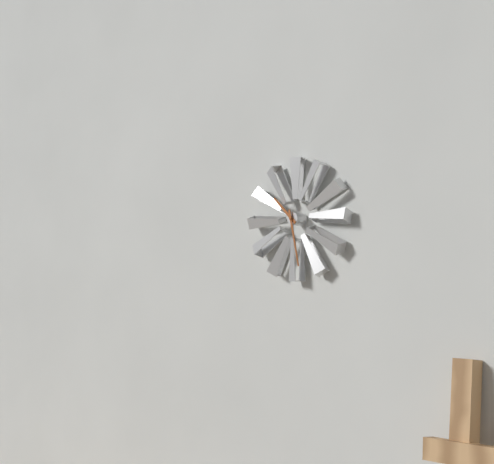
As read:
10:28
